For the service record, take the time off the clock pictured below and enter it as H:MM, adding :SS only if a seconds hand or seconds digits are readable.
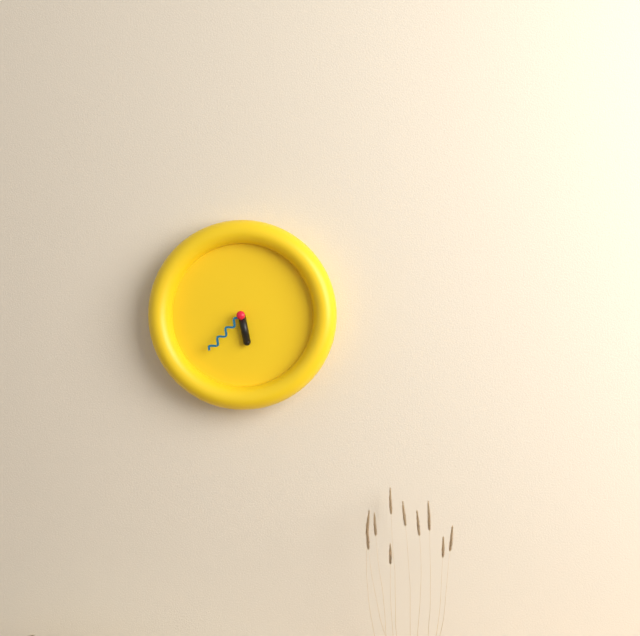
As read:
5:37
